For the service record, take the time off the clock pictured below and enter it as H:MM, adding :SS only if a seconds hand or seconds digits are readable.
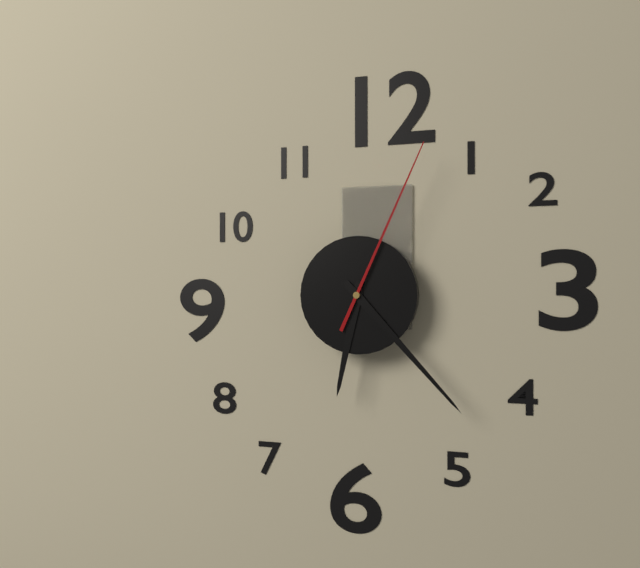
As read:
6:23:04
